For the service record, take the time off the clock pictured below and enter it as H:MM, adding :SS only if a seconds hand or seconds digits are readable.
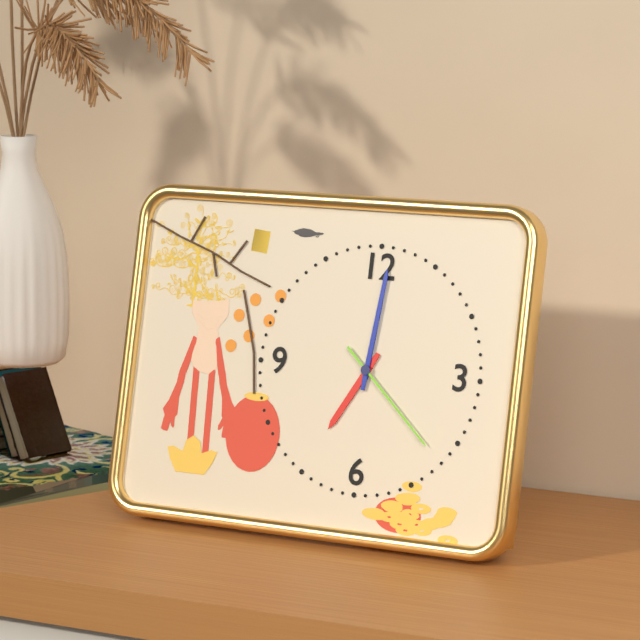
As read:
7:01:22
